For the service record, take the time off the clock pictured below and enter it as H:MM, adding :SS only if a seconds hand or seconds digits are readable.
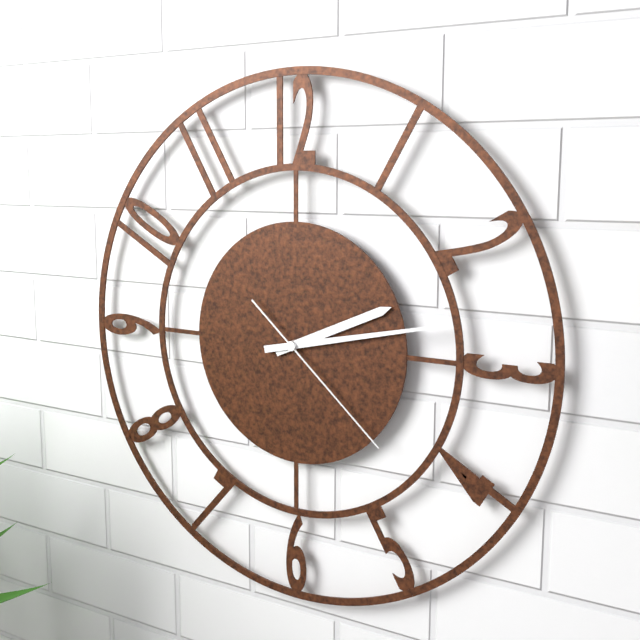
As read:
2:13:22
